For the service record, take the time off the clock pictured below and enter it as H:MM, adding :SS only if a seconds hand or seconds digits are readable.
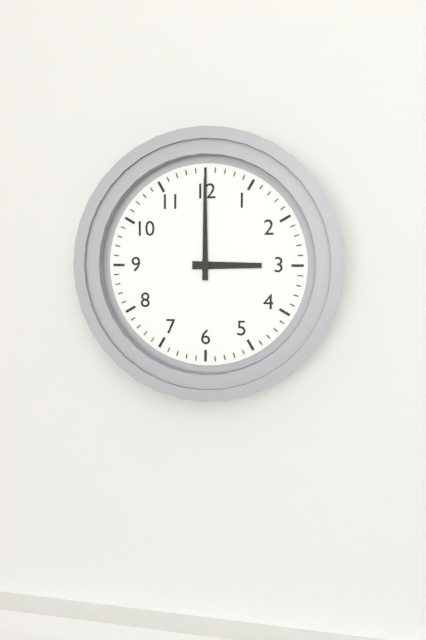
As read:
3:00
